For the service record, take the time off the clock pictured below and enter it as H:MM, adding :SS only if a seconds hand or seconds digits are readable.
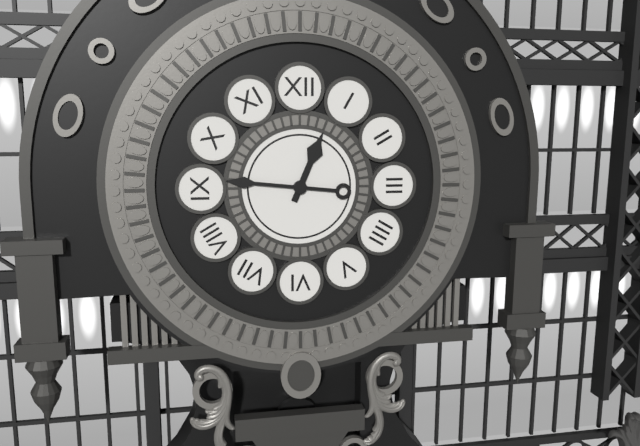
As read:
12:46
